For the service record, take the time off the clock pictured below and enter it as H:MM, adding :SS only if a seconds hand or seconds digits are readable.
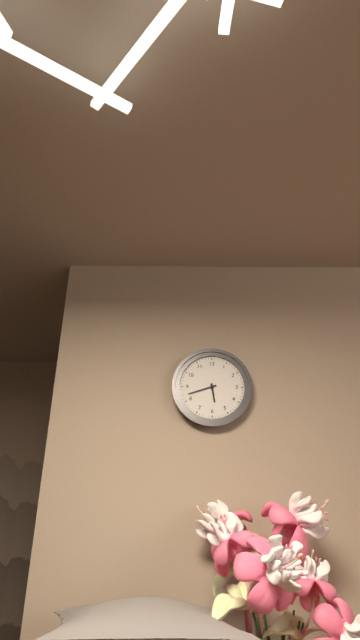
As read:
5:42
